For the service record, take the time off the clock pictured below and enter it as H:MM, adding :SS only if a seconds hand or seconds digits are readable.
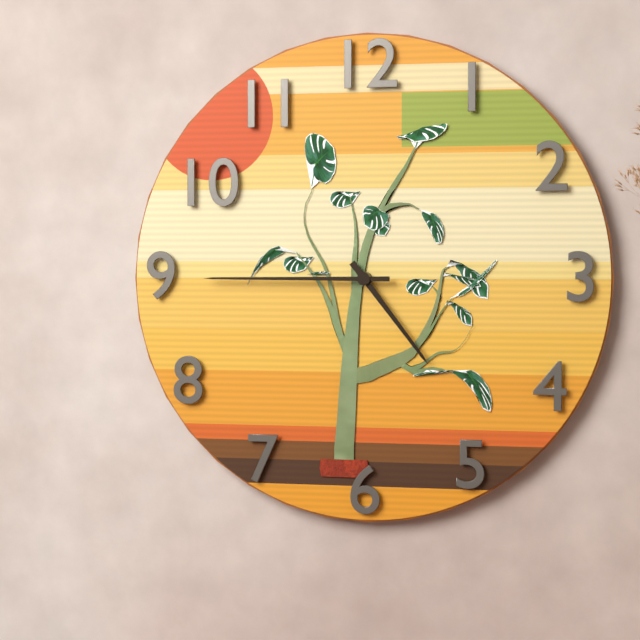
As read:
4:45
